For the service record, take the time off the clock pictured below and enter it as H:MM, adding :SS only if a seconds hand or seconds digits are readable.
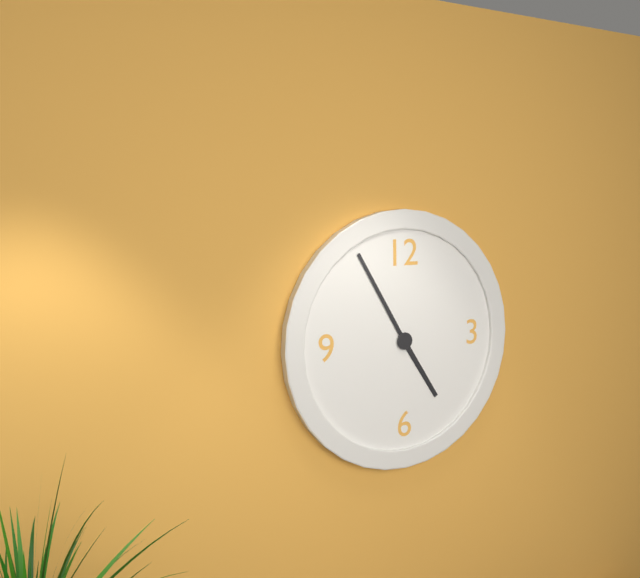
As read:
4:55
